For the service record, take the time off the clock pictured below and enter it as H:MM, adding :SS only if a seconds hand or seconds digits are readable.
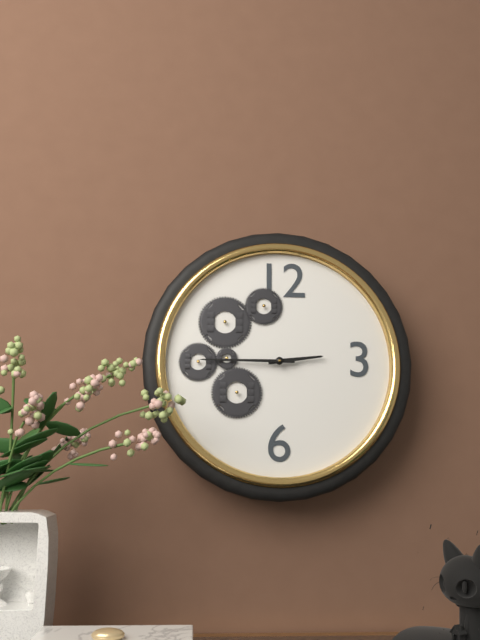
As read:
2:45
